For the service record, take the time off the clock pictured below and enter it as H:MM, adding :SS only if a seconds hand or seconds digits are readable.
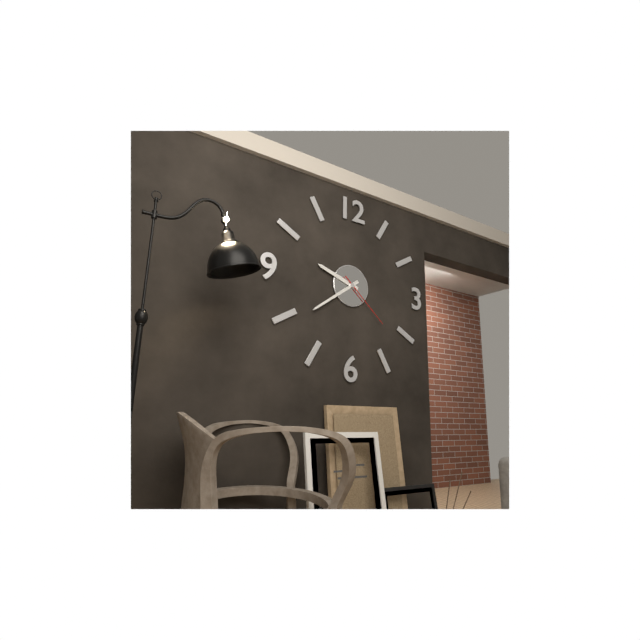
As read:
9:39:22
